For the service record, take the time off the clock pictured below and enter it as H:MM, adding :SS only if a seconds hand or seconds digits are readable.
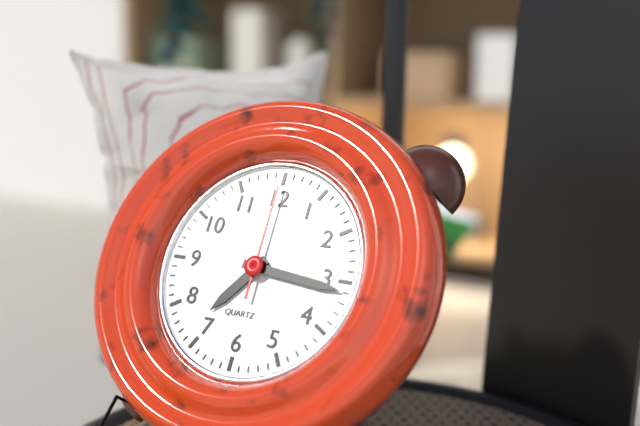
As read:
7:16:00
